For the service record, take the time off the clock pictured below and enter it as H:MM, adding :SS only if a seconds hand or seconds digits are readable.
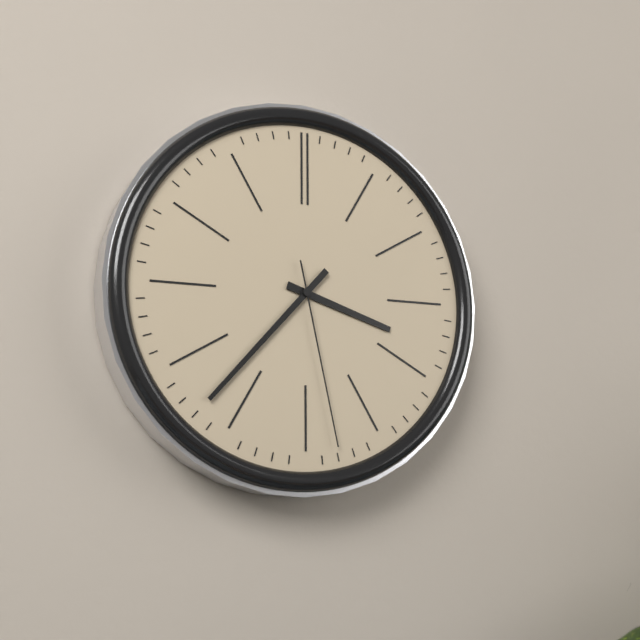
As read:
3:37:28
